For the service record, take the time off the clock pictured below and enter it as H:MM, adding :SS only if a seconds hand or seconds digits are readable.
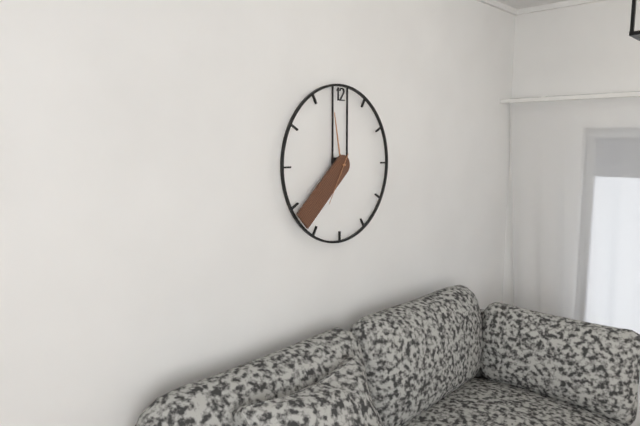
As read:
11:38:35
